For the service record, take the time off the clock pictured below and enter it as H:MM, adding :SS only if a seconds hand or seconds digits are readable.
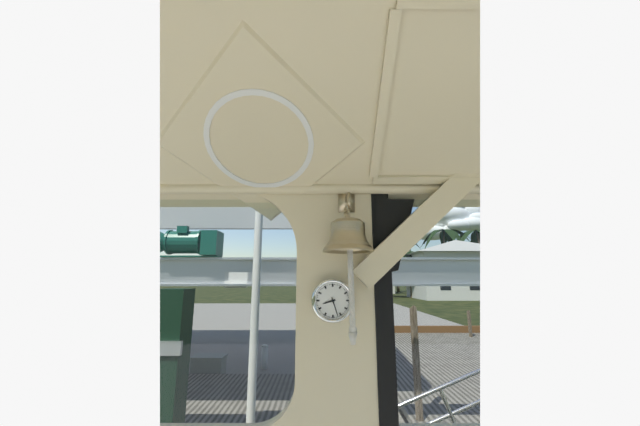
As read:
8:27
